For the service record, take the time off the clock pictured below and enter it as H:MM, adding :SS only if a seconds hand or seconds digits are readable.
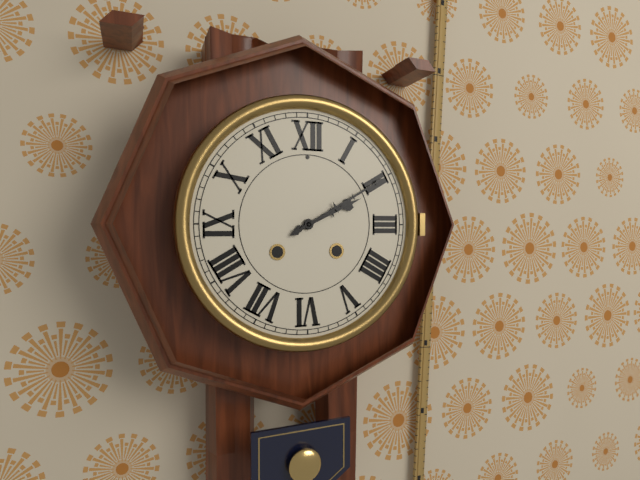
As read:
2:10
